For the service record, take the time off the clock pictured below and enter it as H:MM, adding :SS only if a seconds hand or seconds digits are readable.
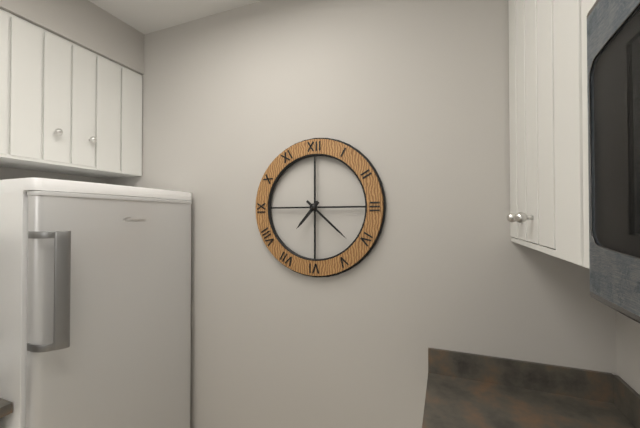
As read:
7:22
